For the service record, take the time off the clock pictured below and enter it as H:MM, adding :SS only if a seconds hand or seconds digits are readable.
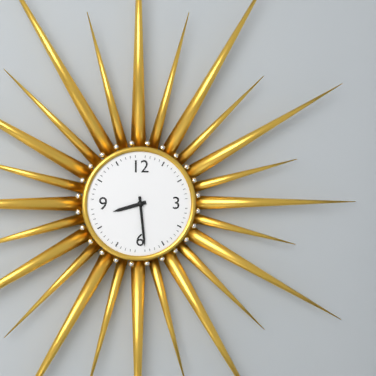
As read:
8:29
